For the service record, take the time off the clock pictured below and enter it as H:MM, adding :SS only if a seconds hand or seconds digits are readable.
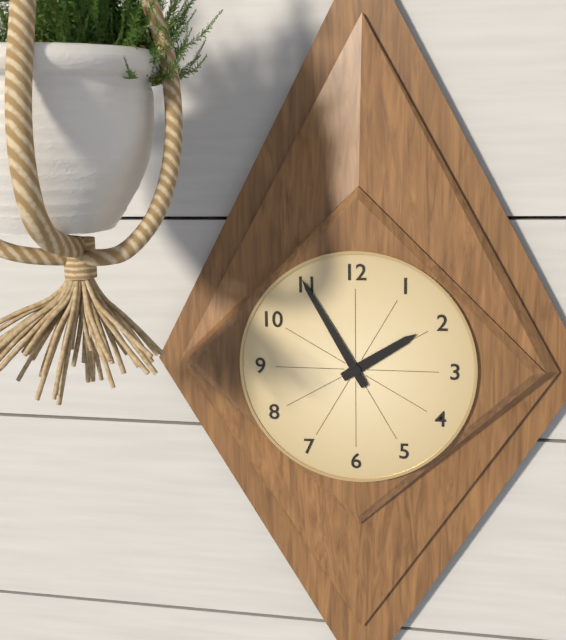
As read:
1:55
